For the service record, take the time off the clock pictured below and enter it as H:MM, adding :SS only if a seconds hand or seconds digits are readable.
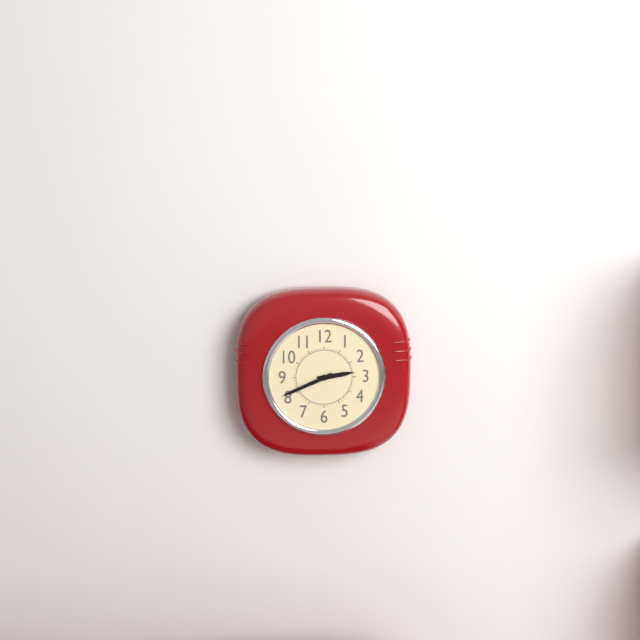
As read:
2:41
